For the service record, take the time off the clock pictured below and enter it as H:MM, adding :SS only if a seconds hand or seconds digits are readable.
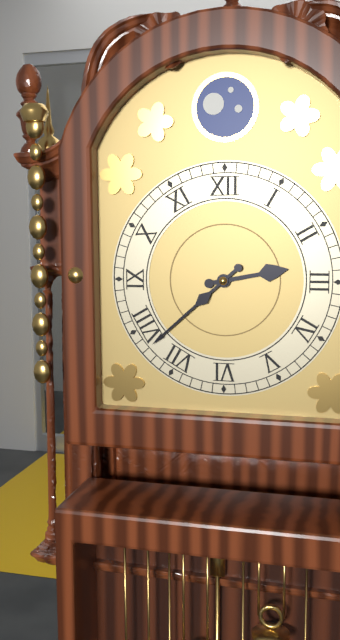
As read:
2:38
